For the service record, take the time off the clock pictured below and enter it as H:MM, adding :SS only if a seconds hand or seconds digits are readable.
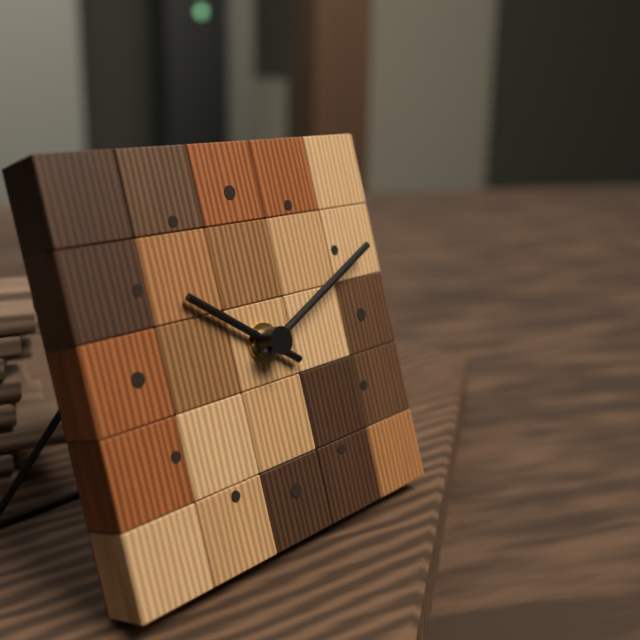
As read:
10:11
